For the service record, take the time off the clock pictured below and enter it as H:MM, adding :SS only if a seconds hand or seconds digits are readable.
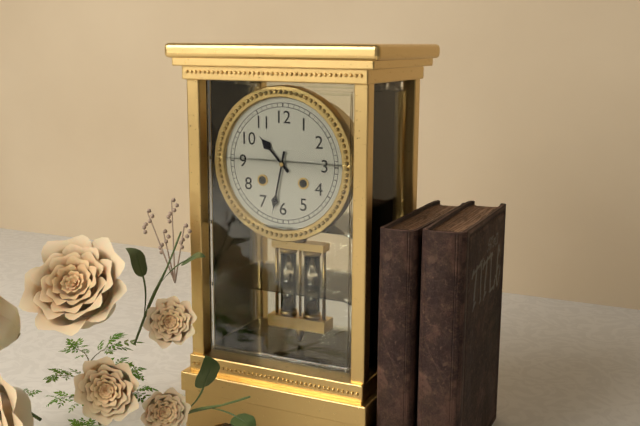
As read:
10:32
